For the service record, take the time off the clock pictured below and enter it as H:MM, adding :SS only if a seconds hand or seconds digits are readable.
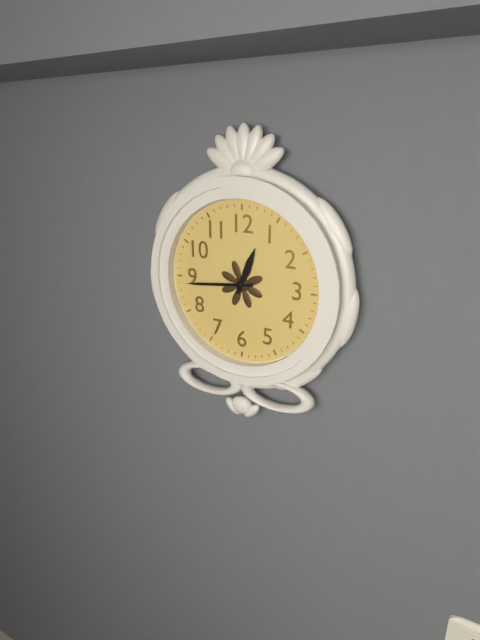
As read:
12:44
